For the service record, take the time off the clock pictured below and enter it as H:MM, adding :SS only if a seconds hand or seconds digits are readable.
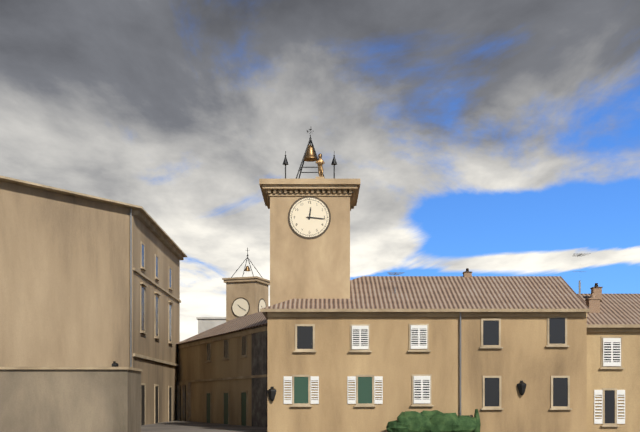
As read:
12:16
